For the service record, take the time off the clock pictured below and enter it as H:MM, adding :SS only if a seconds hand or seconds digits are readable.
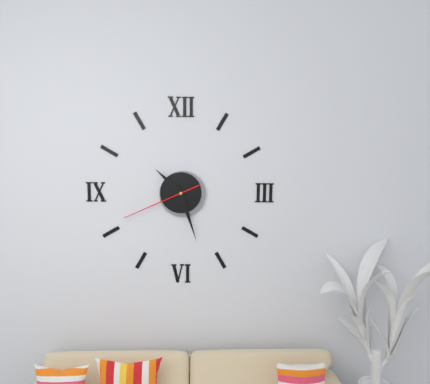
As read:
10:27:41
